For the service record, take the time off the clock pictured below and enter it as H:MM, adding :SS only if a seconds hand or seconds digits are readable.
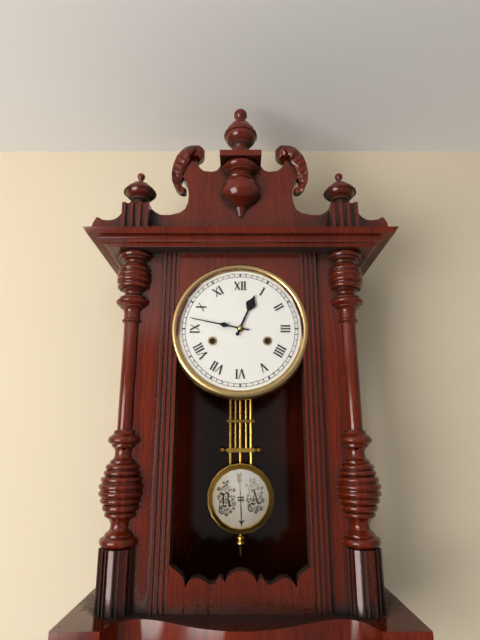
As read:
12:47
